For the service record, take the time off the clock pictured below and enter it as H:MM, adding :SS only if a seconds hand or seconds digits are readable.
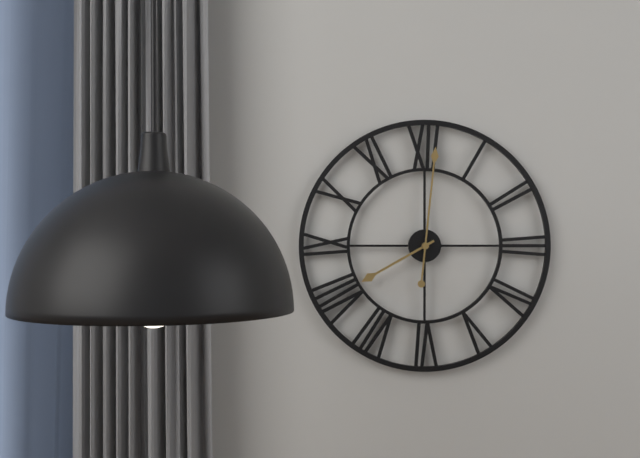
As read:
8:01
